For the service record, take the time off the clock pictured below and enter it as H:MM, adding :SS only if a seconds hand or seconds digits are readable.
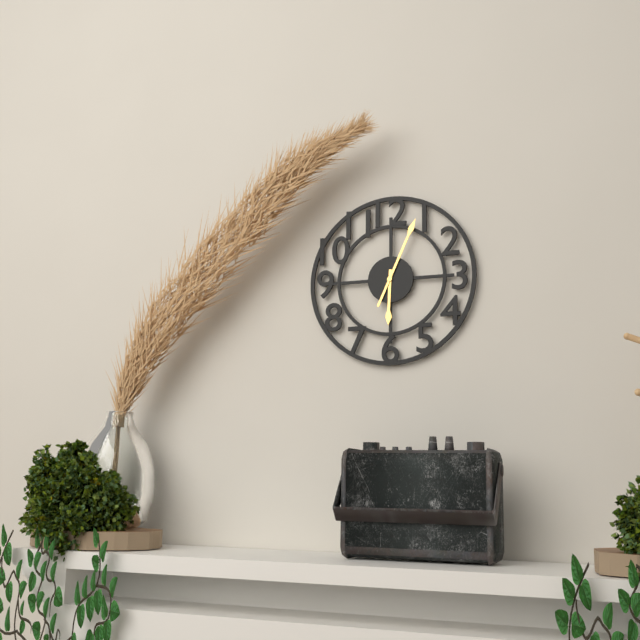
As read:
6:04
